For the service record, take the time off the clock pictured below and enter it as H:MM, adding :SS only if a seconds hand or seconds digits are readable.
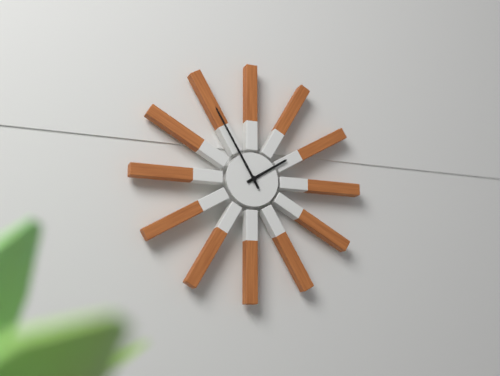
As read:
1:55
